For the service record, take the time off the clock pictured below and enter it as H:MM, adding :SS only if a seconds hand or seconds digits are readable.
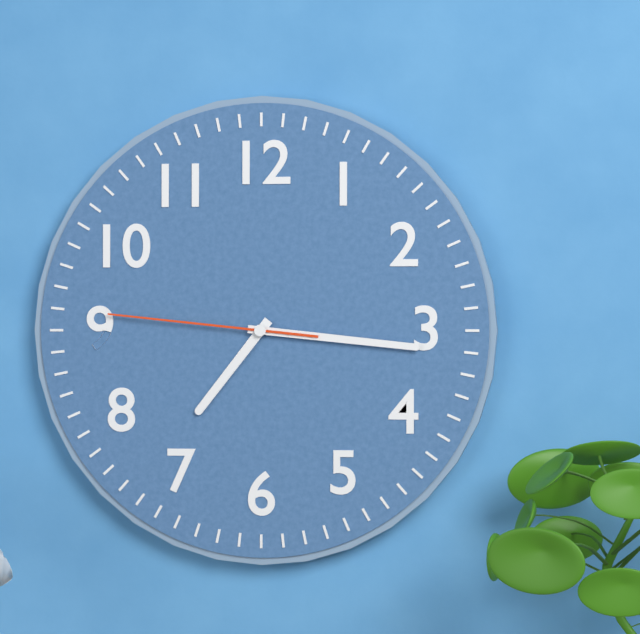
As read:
7:16:46
